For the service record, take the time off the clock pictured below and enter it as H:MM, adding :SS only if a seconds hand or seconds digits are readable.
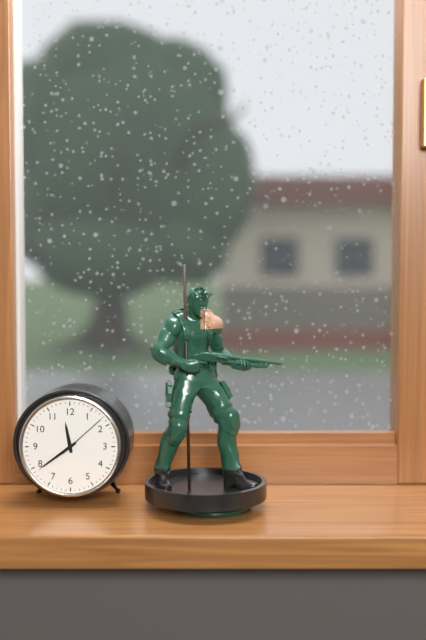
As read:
11:39:08
